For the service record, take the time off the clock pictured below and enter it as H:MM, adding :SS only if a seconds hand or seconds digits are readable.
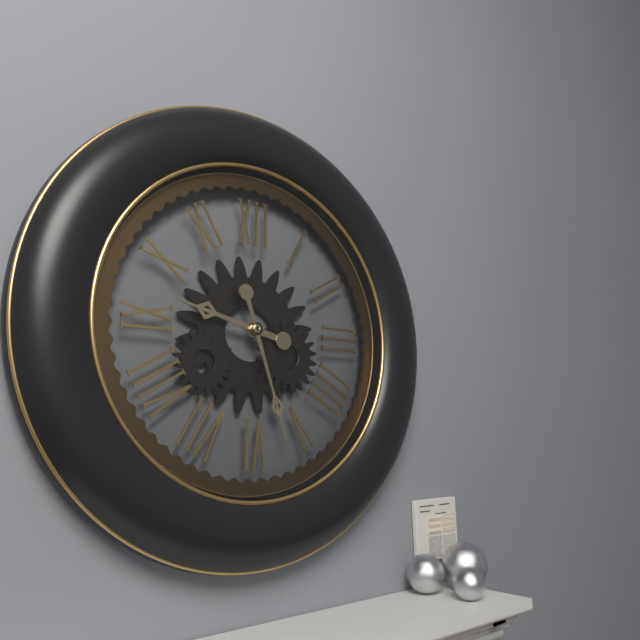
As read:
9:27
